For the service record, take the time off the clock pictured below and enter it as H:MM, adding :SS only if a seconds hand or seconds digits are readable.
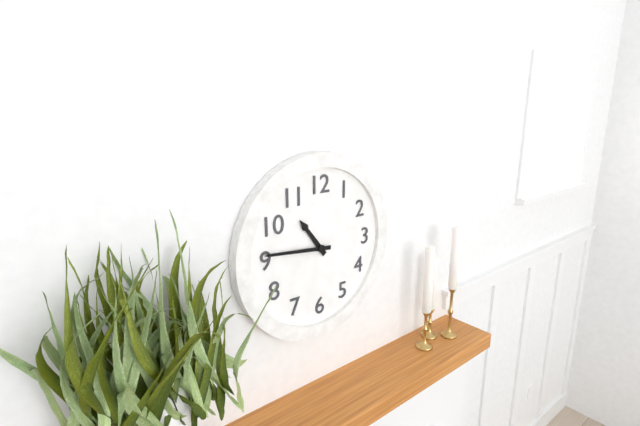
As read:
10:46
